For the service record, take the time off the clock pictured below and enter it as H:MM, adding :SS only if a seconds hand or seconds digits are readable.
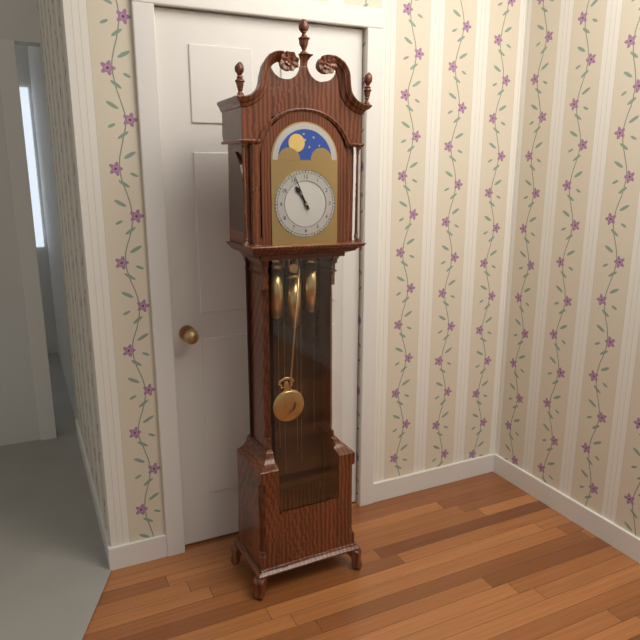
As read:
10:56
